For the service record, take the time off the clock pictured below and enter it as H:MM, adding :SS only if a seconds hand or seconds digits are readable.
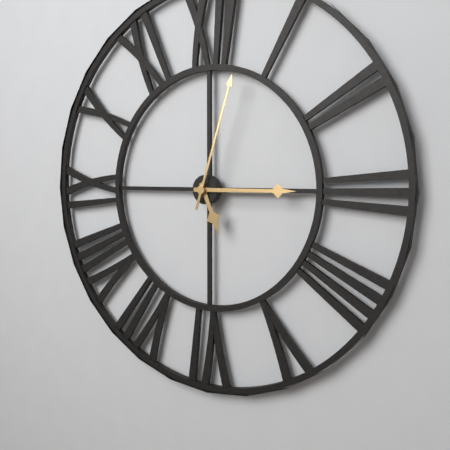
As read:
5:15:03
